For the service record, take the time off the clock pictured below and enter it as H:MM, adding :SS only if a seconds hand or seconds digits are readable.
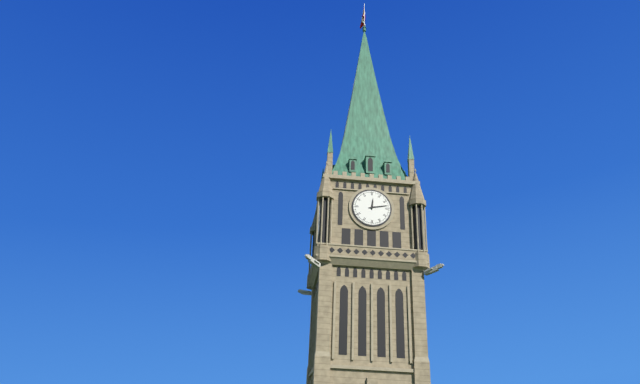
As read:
12:13
